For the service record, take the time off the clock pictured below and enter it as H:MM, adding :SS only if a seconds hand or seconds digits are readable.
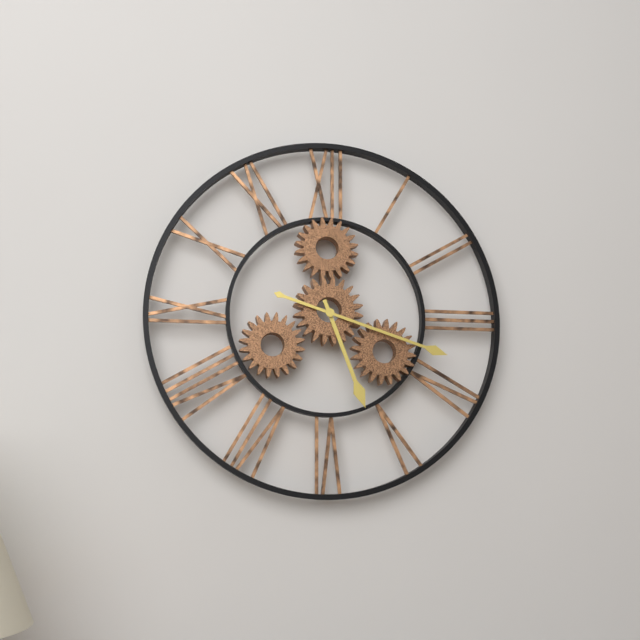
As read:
5:18
